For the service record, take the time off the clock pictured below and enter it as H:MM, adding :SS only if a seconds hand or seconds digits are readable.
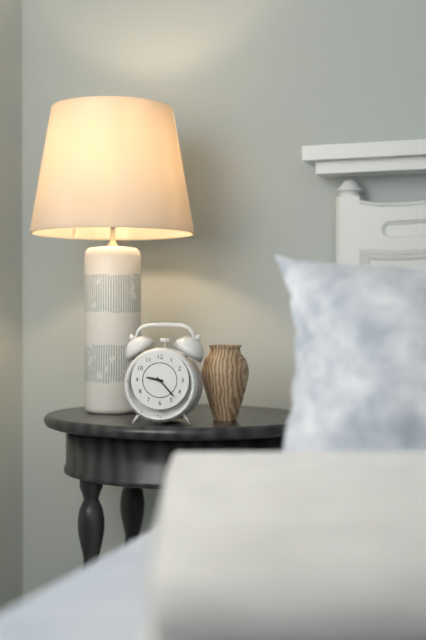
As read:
9:23
